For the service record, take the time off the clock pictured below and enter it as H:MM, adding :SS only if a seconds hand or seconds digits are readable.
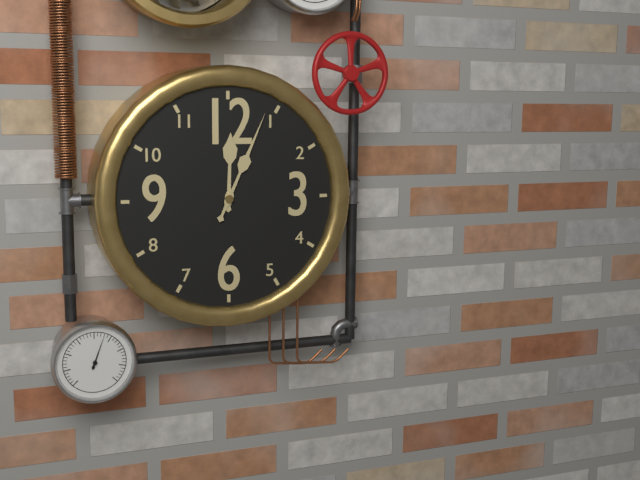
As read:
12:04
